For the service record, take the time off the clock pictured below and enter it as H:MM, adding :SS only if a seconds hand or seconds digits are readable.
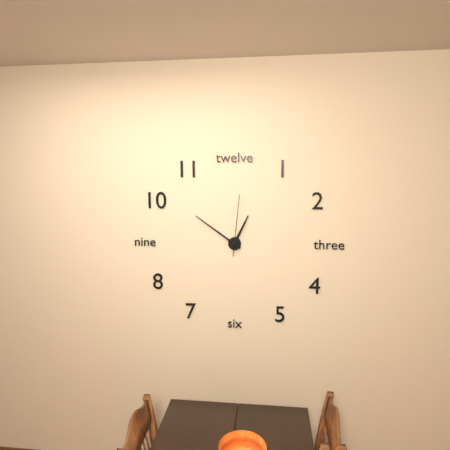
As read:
12:51:01
